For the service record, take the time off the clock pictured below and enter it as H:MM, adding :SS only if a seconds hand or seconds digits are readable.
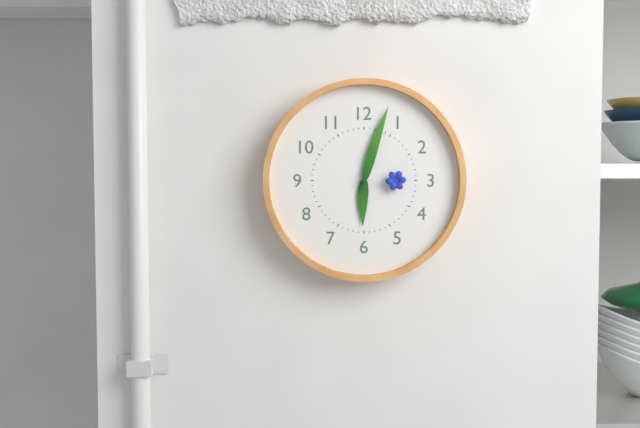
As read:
6:03:15
